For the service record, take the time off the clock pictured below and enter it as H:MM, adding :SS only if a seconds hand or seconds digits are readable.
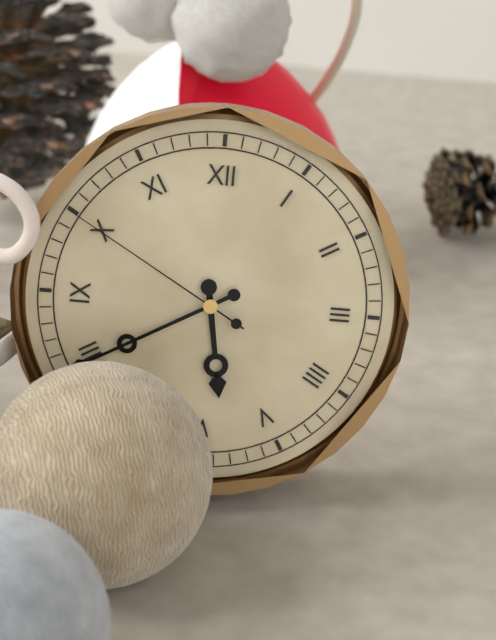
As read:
5:40:50
